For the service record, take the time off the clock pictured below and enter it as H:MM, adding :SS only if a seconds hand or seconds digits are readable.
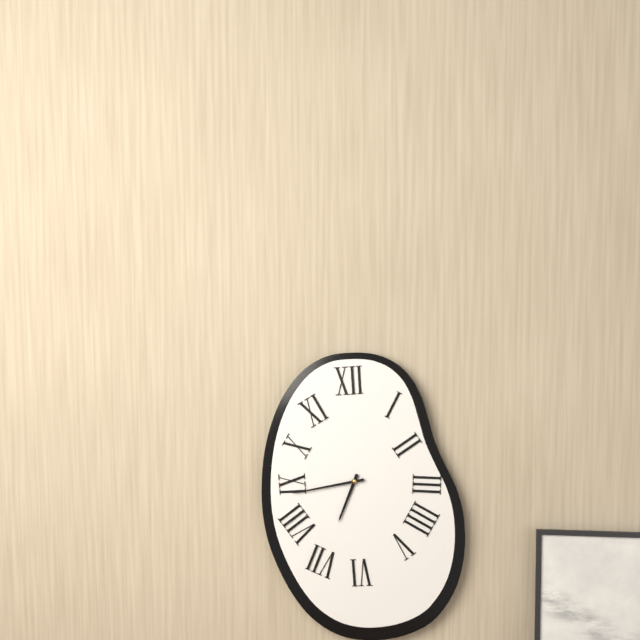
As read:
6:43
